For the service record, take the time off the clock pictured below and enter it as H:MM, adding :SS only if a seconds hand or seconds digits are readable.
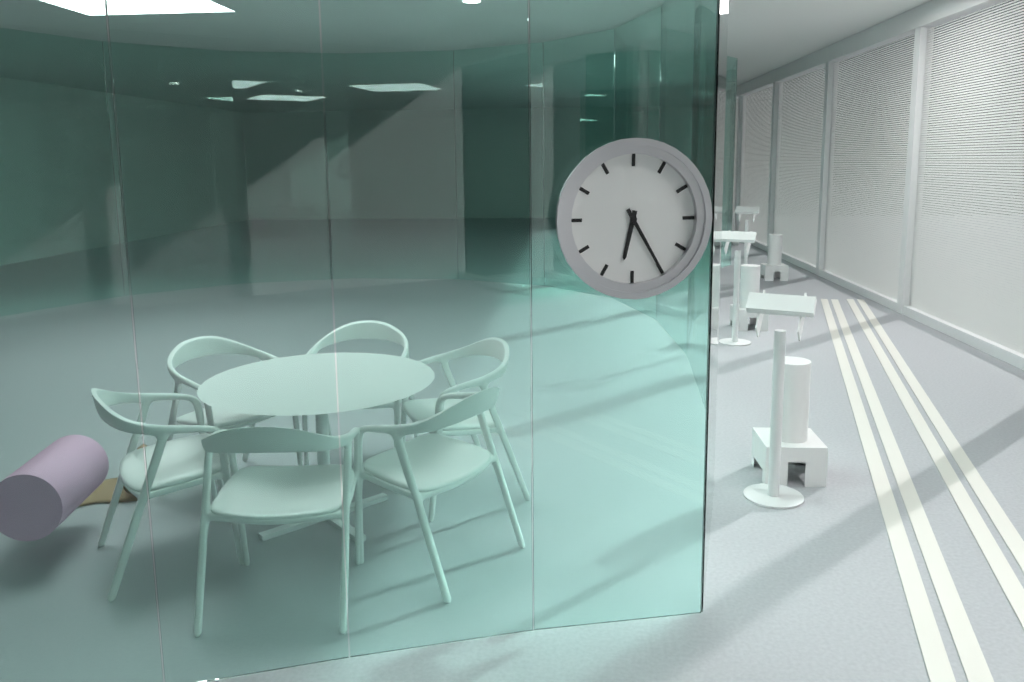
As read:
6:25
